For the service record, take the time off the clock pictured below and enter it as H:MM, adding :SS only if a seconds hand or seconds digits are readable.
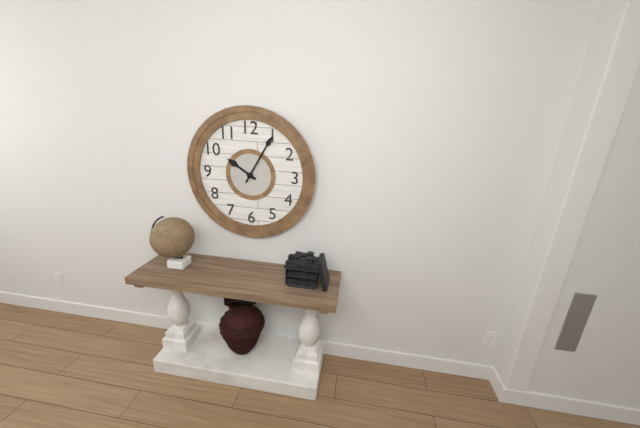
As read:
10:05
